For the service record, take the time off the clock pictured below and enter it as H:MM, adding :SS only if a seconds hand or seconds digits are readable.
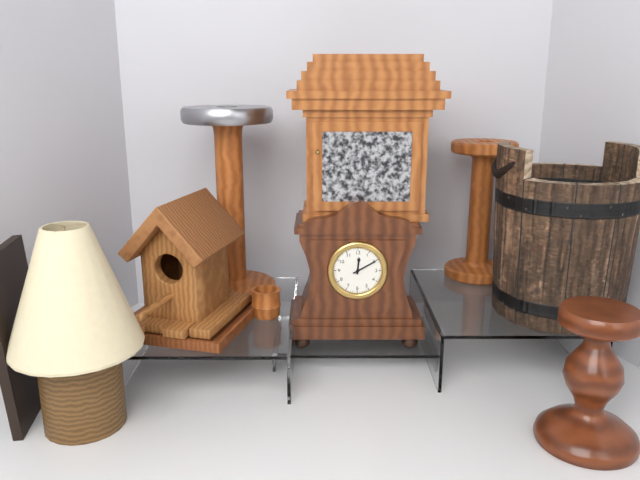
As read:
12:10
